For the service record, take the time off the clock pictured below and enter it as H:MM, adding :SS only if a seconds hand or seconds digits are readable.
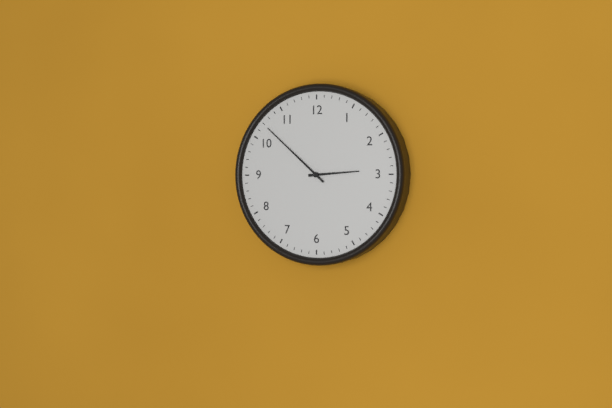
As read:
2:52
